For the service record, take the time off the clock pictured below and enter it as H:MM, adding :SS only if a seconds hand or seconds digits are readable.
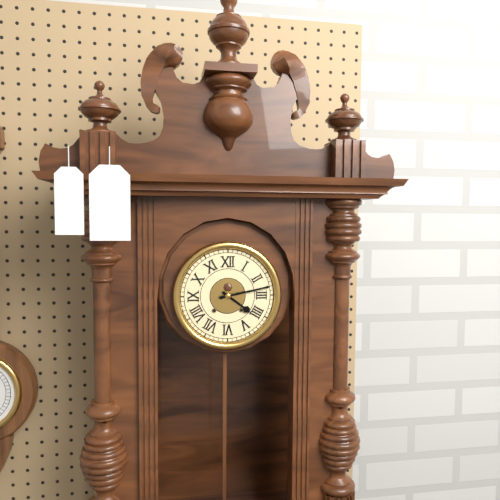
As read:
4:13
